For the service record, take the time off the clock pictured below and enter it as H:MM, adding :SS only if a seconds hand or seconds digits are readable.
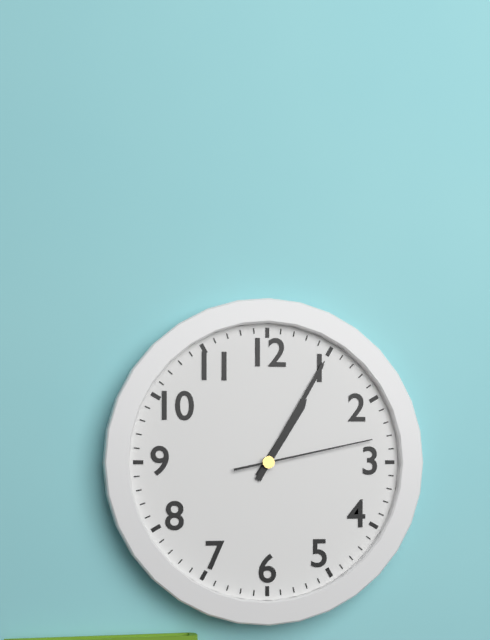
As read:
1:05:13
